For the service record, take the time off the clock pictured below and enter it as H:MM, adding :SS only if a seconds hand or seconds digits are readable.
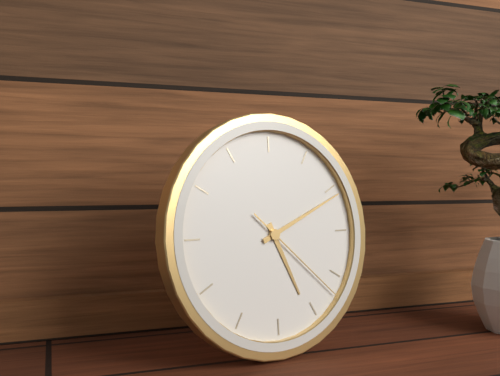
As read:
5:11:22
